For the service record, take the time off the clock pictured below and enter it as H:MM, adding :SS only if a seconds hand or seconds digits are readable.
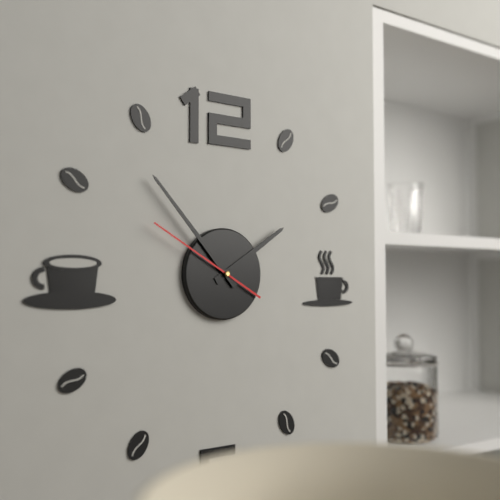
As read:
1:53:50
